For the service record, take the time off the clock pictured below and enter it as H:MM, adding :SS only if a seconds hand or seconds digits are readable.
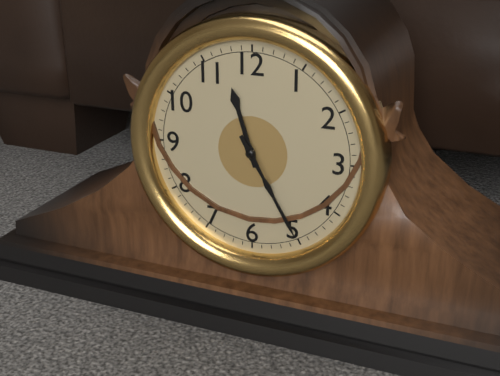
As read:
11:25
